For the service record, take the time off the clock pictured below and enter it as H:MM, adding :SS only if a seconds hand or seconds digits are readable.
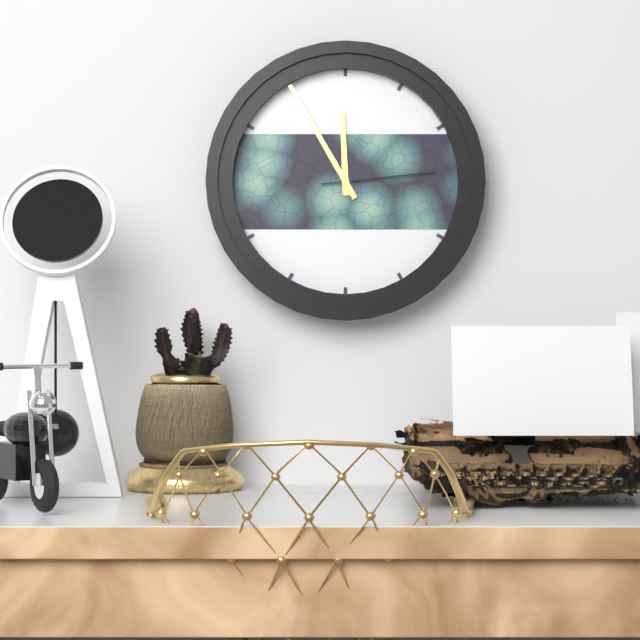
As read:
11:55:14
